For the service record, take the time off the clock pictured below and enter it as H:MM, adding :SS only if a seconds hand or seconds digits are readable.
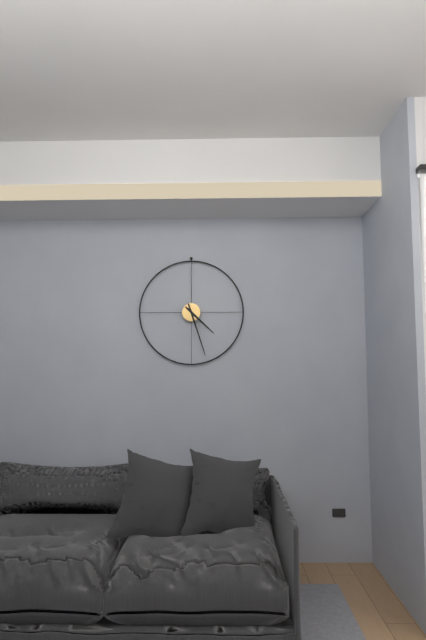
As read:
4:27
